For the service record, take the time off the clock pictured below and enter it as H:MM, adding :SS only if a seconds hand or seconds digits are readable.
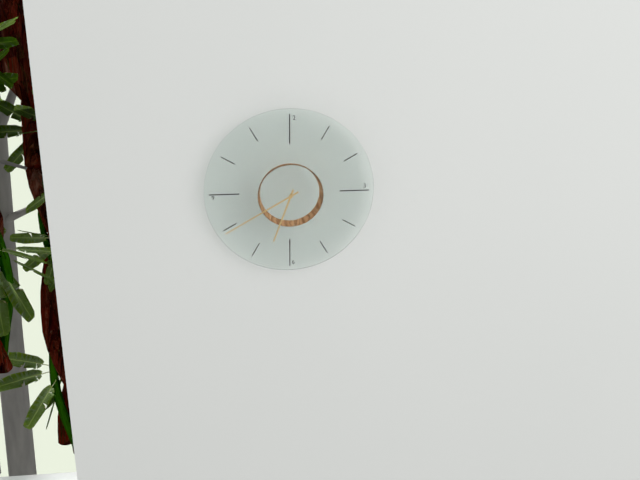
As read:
6:40
